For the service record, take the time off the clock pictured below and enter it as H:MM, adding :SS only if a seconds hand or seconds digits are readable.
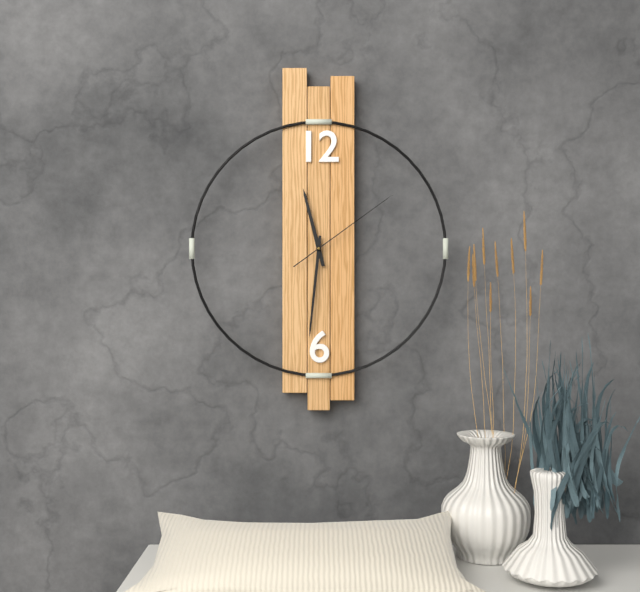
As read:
11:31:09
